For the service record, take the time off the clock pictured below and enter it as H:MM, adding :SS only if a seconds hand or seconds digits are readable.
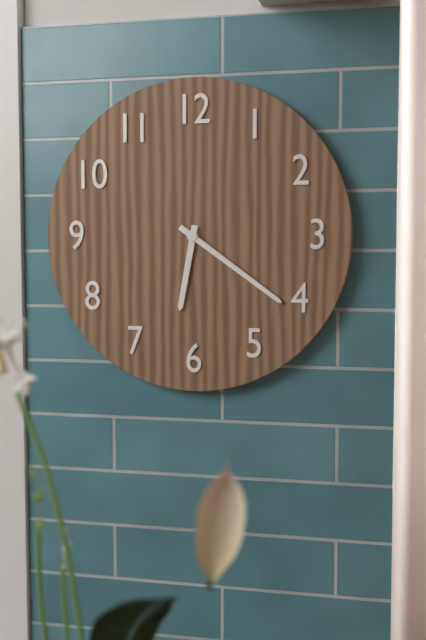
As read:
6:21
